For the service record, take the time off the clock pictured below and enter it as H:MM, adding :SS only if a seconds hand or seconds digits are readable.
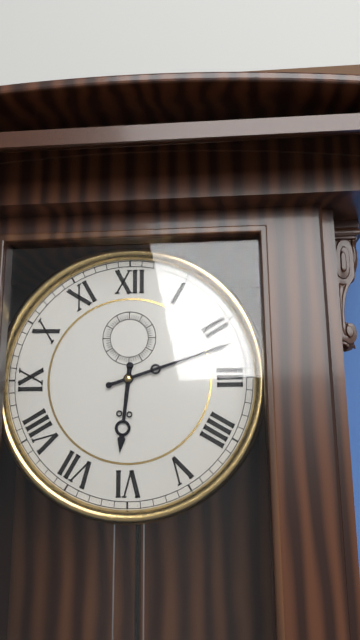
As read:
6:12
